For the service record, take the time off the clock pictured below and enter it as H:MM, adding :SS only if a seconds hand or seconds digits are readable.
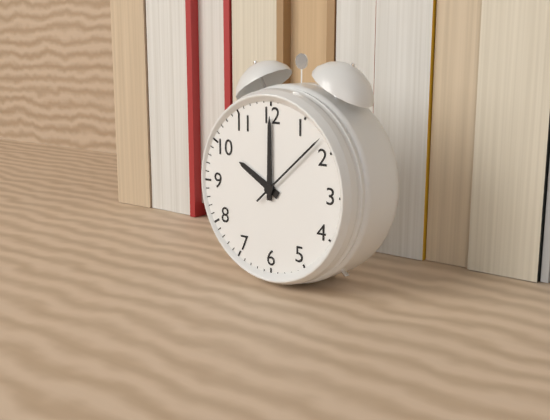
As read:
10:00:08
